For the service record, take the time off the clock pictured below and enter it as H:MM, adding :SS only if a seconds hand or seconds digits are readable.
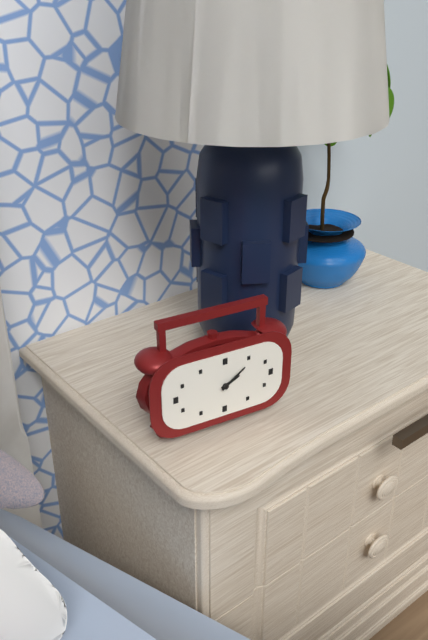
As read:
2:09
